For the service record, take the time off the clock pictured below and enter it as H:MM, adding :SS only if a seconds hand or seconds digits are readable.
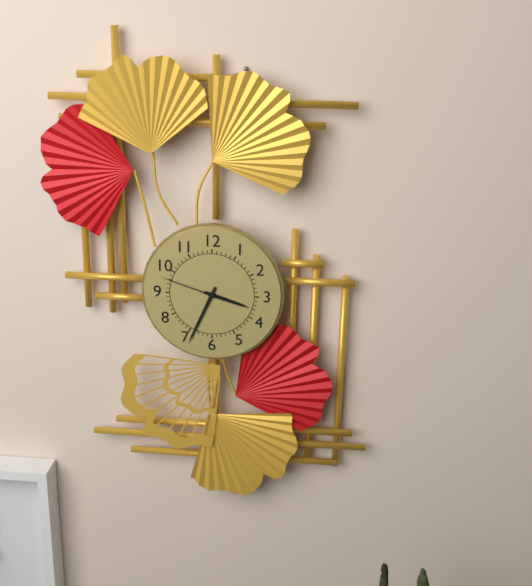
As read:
3:34:48
